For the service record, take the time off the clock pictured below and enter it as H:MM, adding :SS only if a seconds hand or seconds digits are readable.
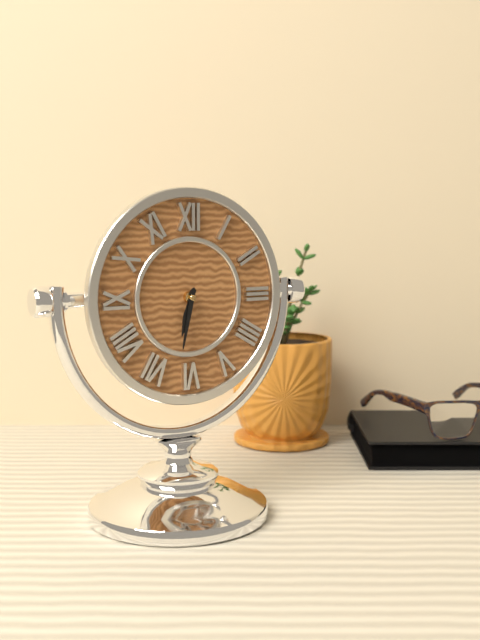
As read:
6:32
